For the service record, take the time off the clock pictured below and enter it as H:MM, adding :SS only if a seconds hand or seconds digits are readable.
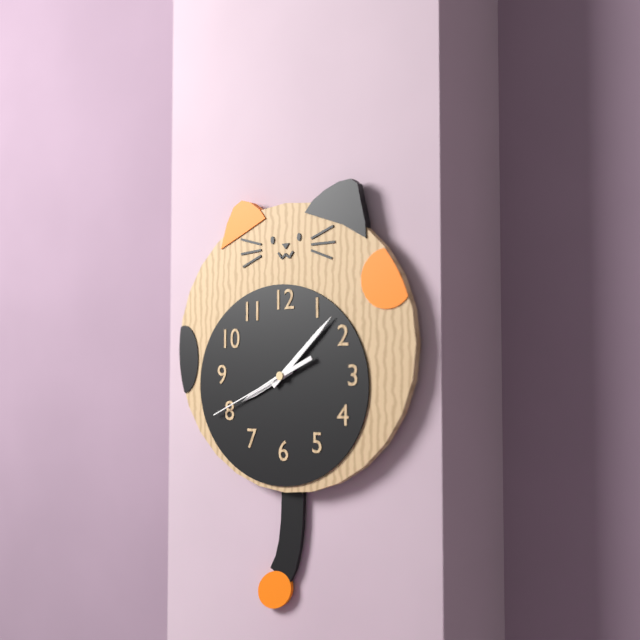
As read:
8:08:41
